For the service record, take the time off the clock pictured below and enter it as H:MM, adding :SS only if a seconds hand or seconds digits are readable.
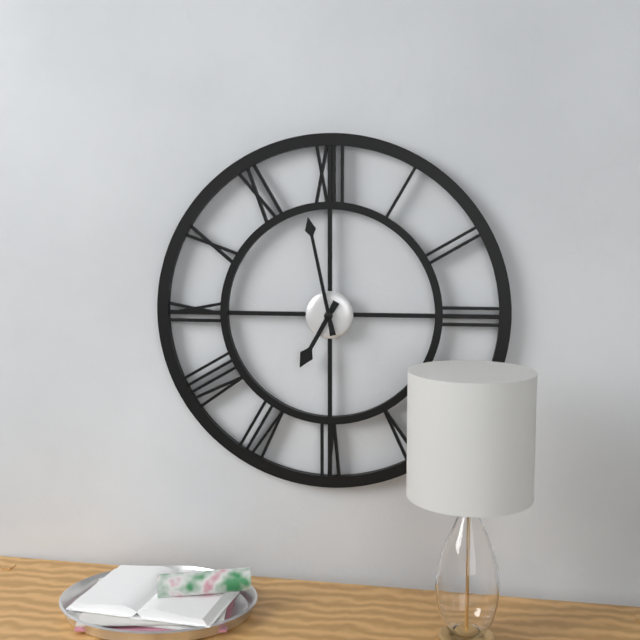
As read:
6:58
